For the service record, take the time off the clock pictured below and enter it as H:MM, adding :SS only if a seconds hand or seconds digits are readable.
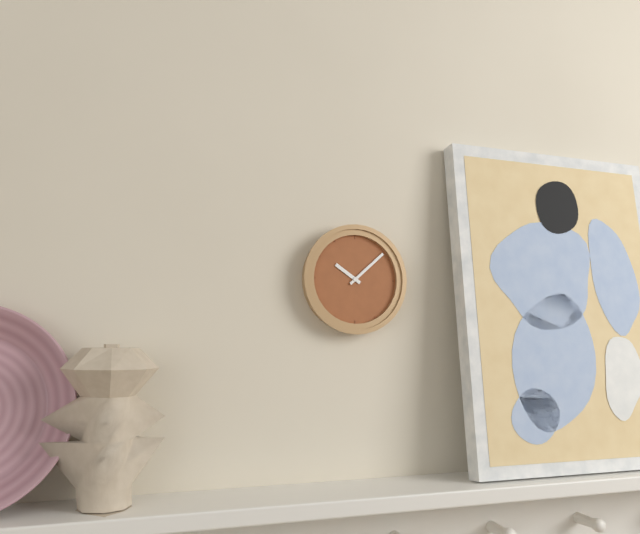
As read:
10:08
